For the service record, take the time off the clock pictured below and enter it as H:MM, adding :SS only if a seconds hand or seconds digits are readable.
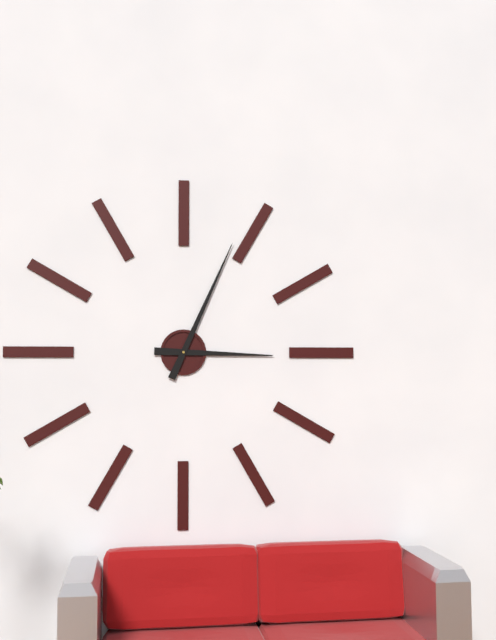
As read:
3:04
